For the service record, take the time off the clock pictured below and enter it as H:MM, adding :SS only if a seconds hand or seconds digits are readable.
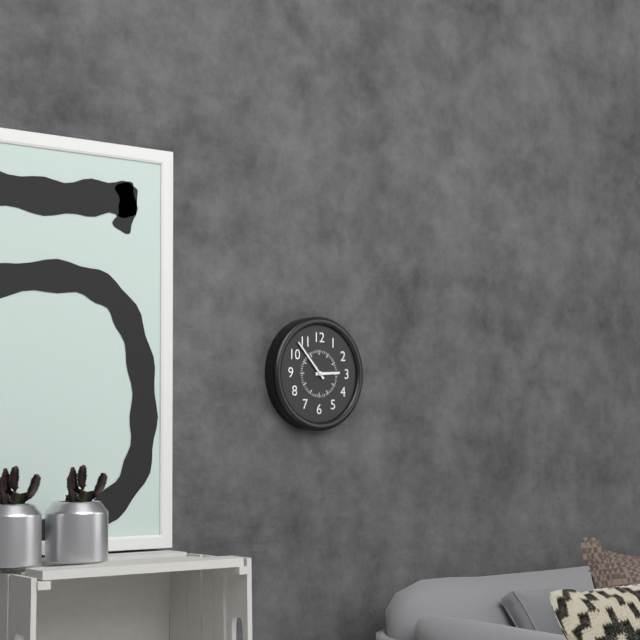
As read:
2:53
